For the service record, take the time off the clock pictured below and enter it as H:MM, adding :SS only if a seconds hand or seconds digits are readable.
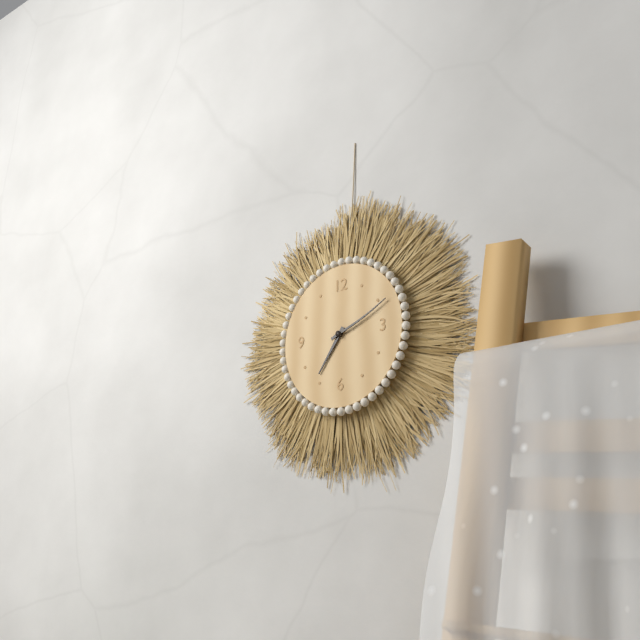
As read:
7:11
